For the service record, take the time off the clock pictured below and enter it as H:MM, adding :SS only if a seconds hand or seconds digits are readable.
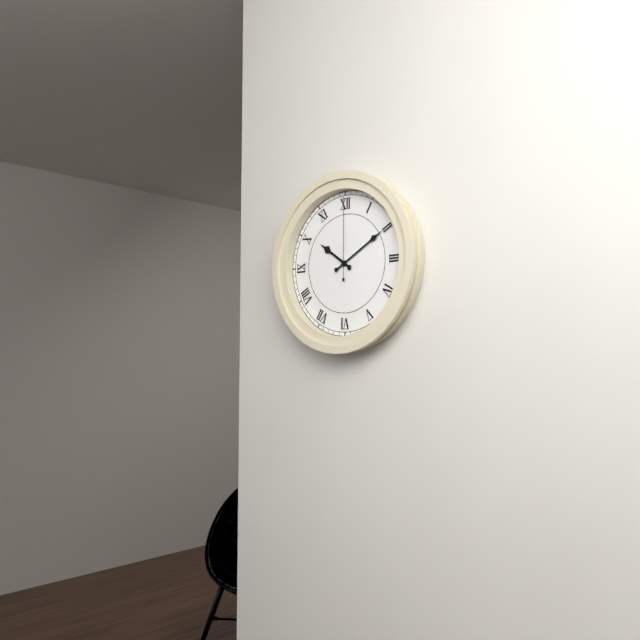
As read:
10:10:00
